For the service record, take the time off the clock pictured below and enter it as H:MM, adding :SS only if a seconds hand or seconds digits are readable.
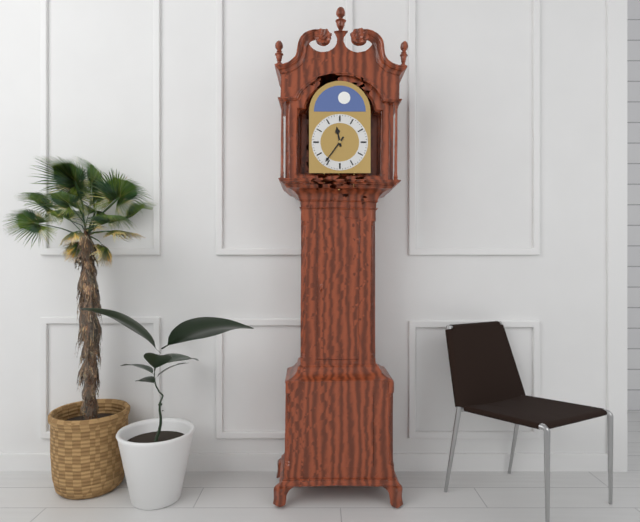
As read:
11:36
